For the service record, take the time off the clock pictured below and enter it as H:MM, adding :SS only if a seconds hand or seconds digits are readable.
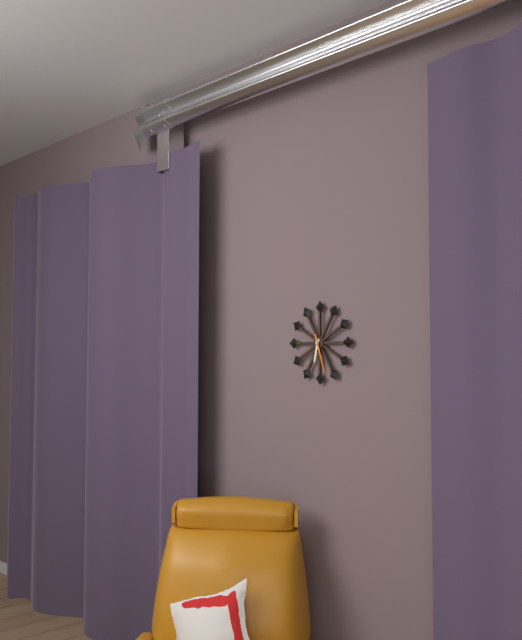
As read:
6:27
